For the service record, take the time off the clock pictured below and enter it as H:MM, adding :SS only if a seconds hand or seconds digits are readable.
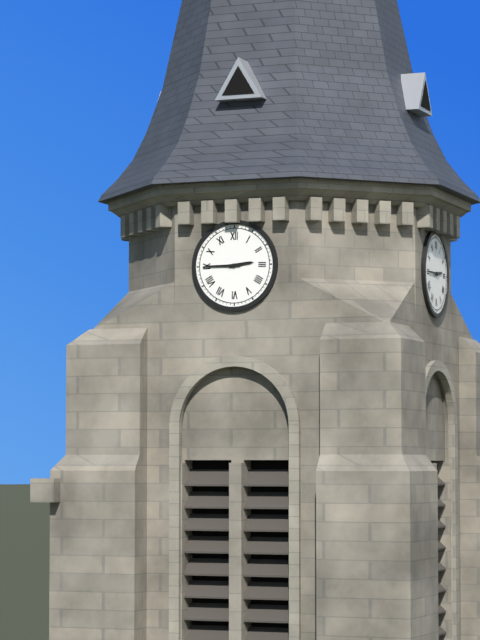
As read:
2:45
